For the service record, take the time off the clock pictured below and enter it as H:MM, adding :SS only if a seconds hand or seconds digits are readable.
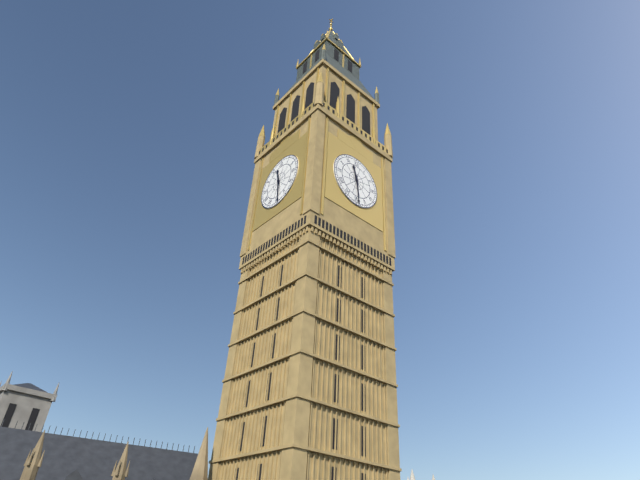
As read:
11:29
